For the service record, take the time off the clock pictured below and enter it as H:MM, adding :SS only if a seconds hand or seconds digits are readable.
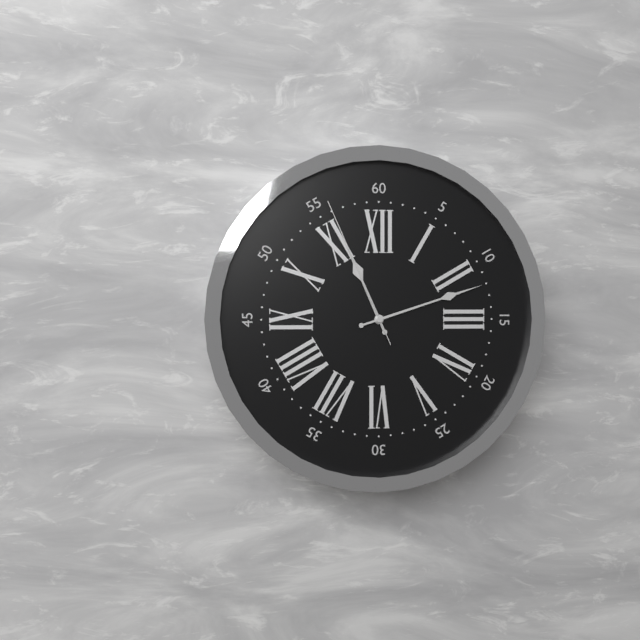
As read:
11:12:56
